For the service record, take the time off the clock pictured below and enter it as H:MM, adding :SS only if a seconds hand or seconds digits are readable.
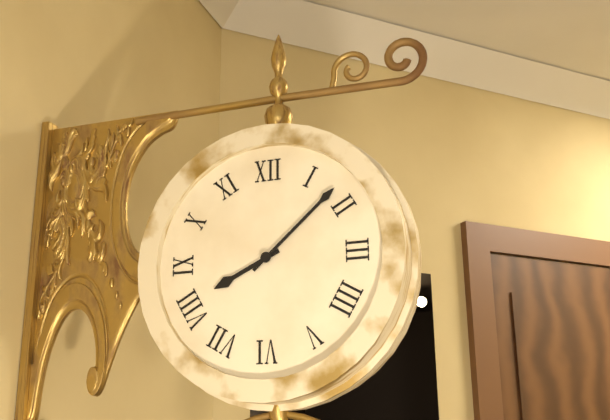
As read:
8:08
